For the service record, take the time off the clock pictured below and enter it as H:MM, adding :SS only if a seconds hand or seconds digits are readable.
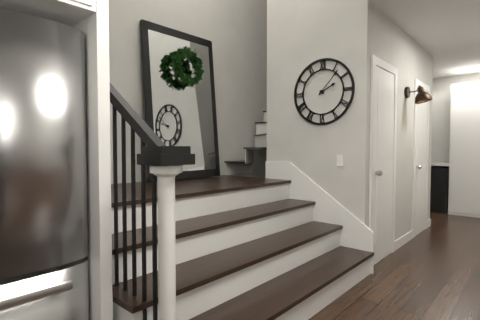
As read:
2:07
